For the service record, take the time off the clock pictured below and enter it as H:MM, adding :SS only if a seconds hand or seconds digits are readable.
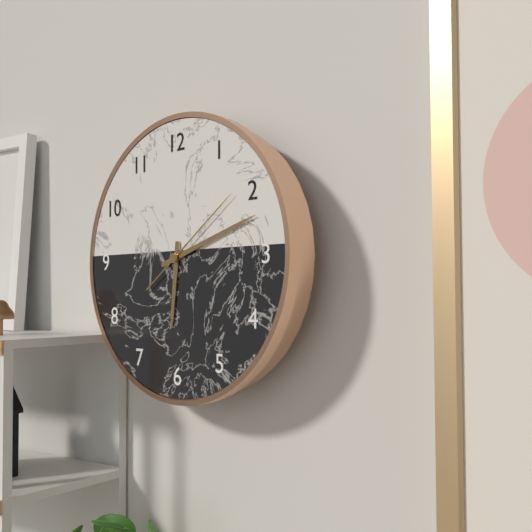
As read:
6:12:09
